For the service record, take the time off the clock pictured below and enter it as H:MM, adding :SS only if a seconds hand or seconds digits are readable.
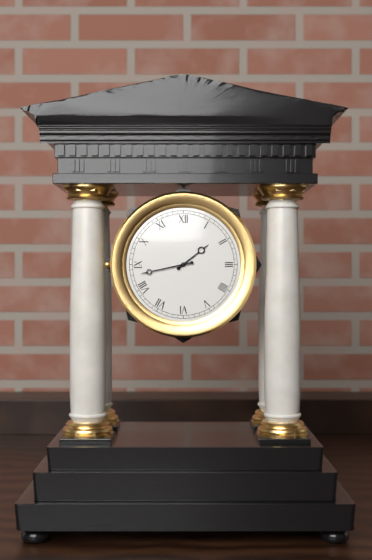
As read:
1:43
